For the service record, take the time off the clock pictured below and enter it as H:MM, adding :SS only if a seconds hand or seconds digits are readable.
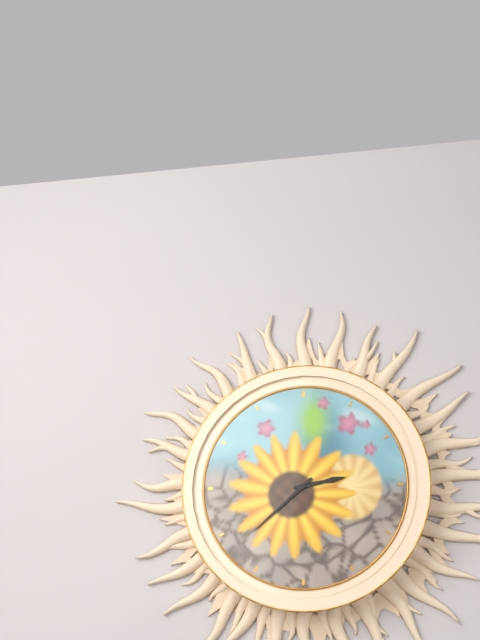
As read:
2:38
